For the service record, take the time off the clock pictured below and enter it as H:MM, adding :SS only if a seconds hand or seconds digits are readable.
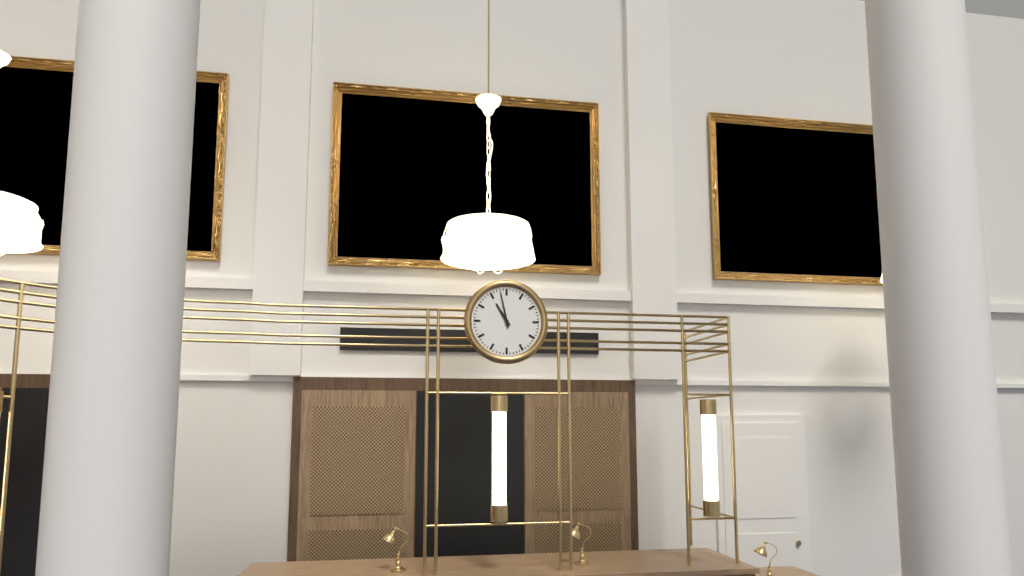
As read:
10:58
